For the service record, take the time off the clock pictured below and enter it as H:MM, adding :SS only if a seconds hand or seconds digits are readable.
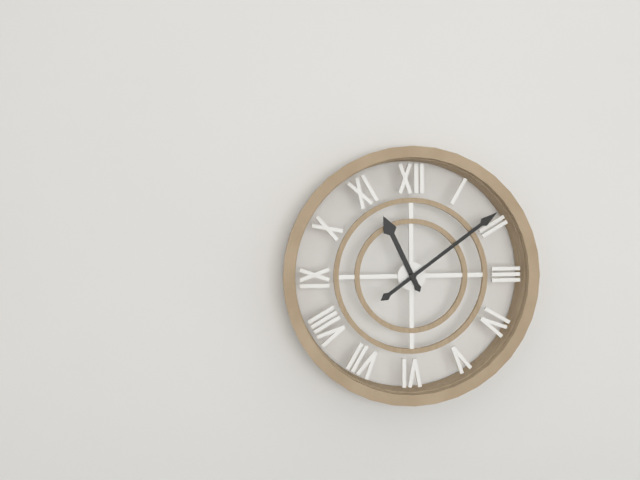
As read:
11:09
